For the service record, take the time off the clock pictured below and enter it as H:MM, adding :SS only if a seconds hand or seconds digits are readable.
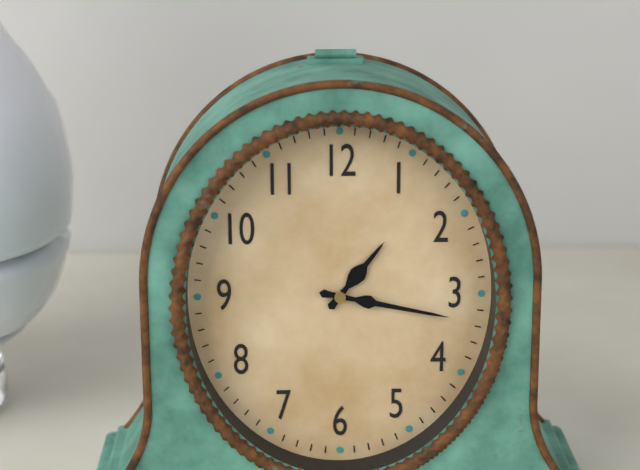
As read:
1:17
